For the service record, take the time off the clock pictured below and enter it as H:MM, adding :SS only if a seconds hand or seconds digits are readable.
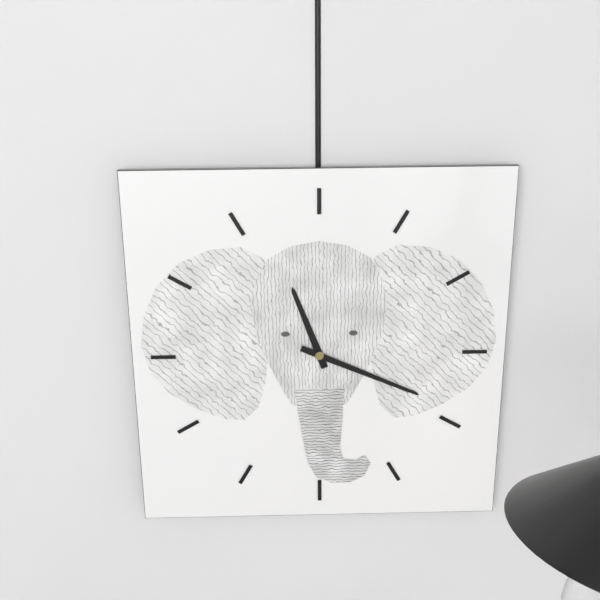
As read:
11:19
